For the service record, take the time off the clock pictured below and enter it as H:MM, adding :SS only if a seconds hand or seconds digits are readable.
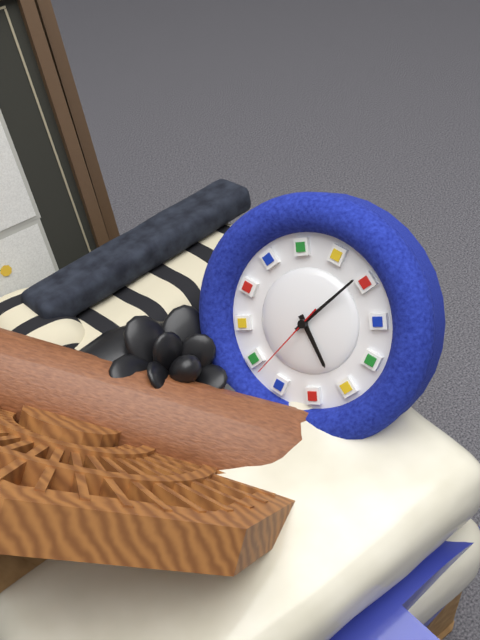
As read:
6:14:43
